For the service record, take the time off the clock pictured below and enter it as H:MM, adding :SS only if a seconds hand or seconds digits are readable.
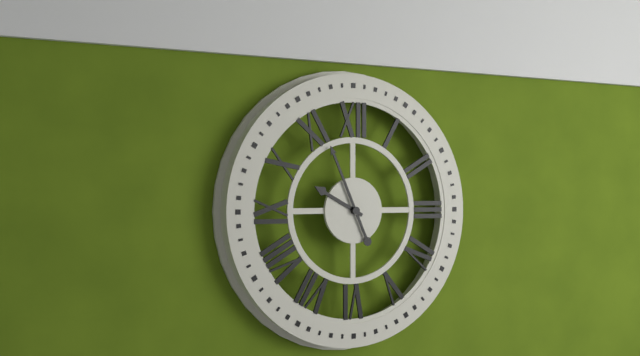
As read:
9:56
